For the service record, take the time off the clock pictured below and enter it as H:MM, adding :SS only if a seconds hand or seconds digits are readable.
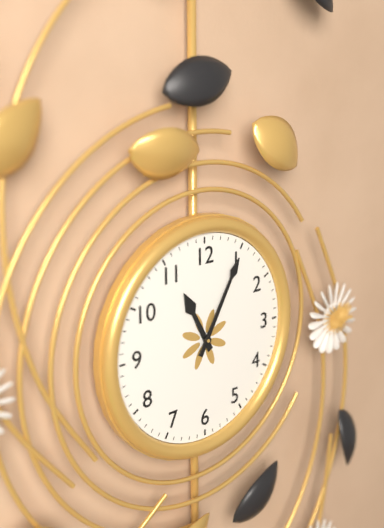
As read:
11:05
